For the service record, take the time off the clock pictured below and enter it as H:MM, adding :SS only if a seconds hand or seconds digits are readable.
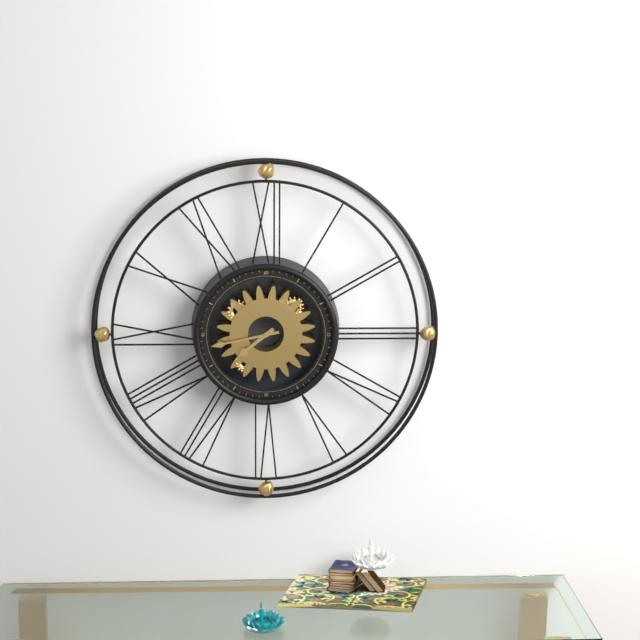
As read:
7:43
